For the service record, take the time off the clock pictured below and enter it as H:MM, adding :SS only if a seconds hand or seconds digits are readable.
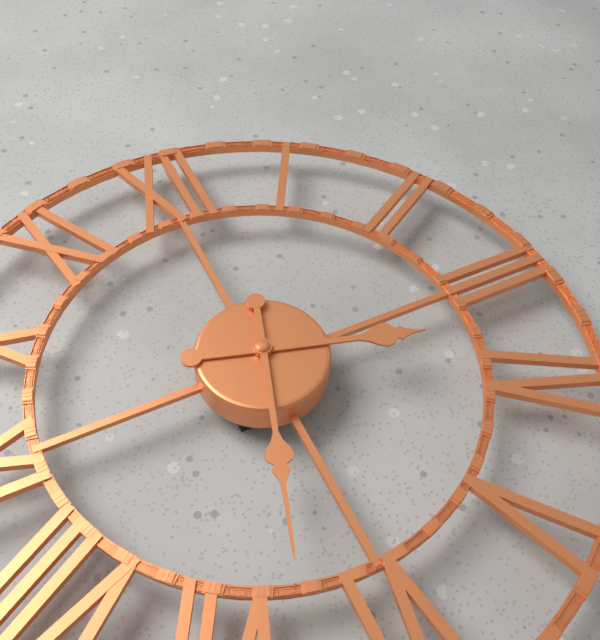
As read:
3:33
